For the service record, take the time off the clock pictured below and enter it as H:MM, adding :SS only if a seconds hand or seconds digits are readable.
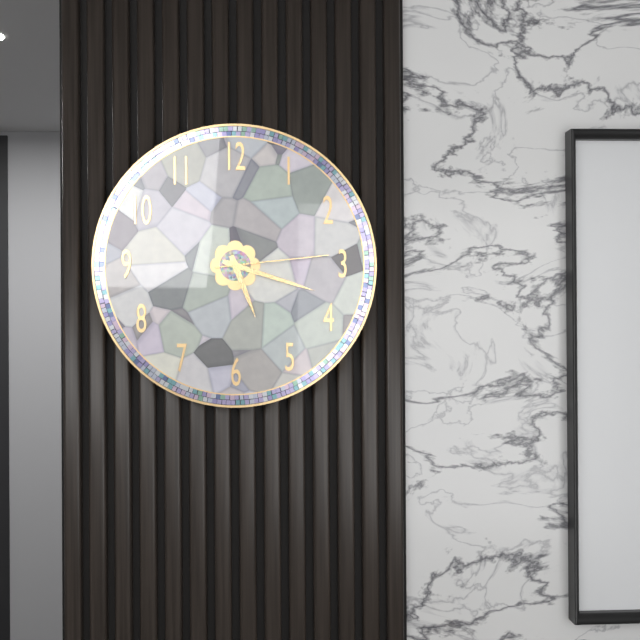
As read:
5:18:14
